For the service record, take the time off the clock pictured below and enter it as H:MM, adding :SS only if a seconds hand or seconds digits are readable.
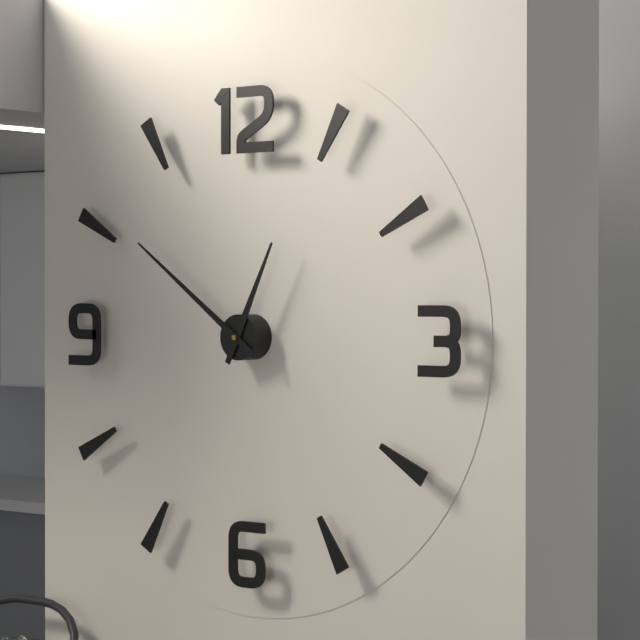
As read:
12:51
